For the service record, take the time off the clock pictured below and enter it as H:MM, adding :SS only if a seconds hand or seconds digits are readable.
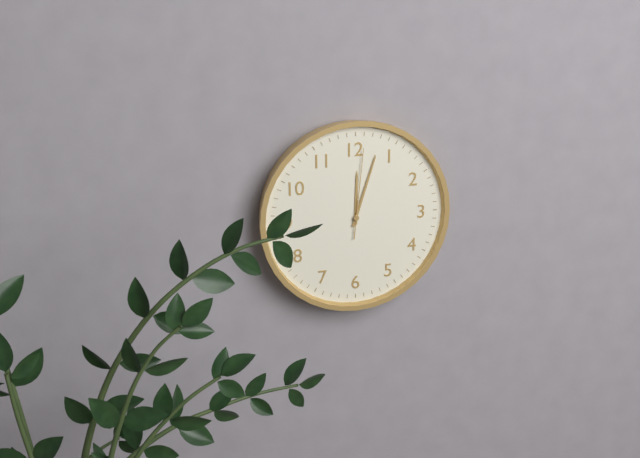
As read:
12:03:01
